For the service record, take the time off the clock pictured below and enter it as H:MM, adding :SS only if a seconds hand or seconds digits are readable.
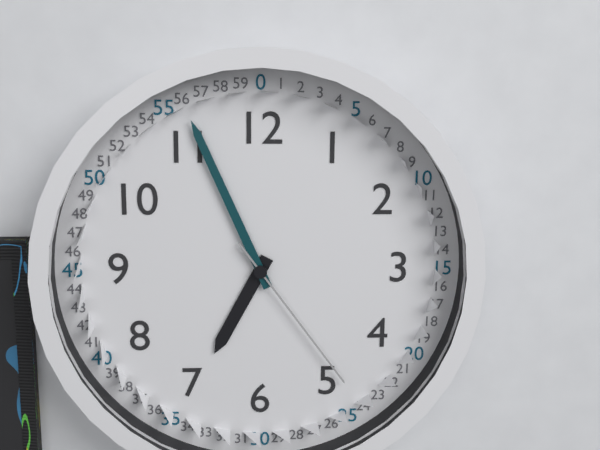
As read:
6:56:24
